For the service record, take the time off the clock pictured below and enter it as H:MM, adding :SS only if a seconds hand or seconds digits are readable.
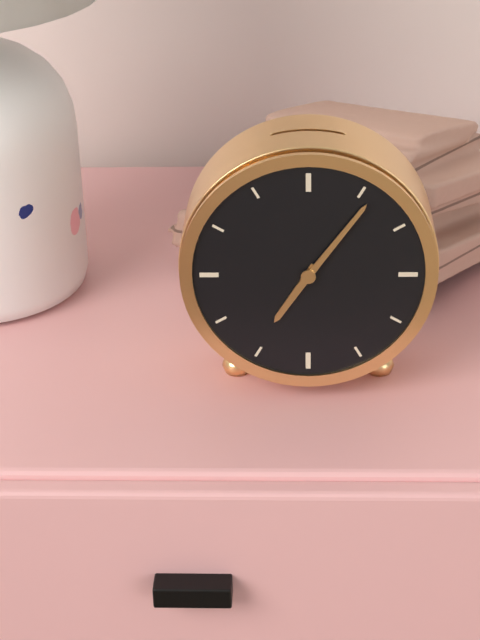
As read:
7:06
